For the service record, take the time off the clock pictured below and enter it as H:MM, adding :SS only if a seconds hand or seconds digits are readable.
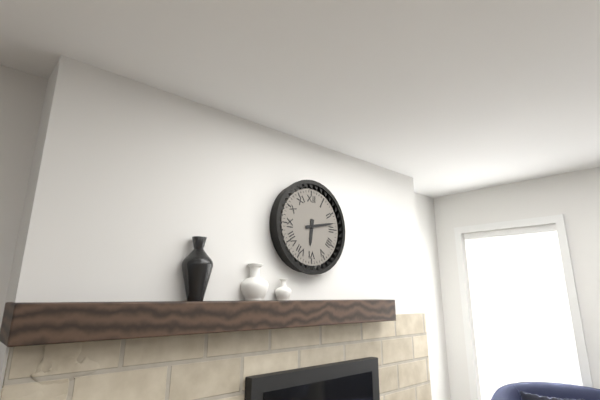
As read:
6:13
